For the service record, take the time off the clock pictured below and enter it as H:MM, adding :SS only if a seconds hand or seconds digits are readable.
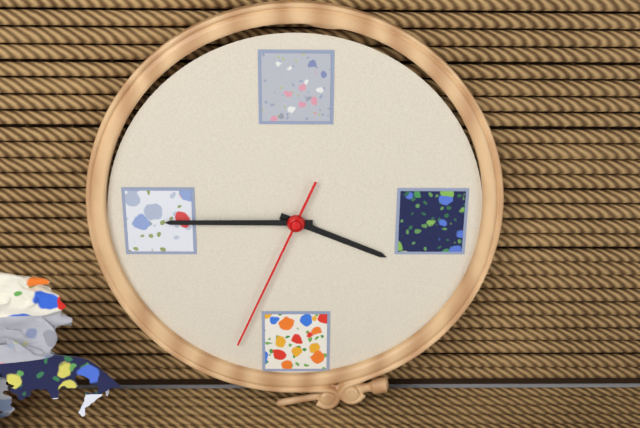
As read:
3:45:34
